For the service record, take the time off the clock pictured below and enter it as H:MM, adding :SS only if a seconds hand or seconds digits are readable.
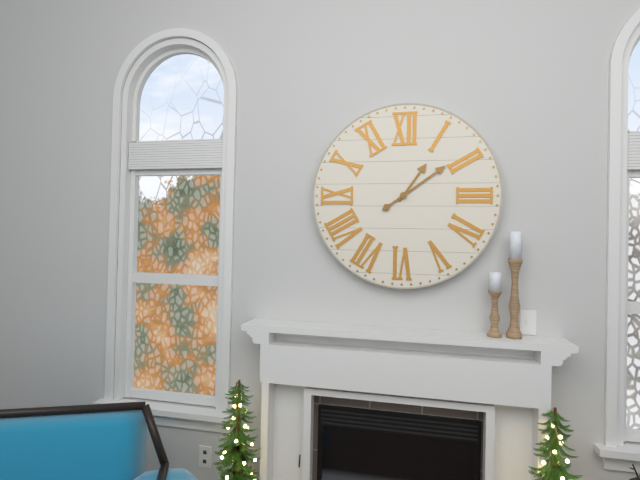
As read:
1:09
